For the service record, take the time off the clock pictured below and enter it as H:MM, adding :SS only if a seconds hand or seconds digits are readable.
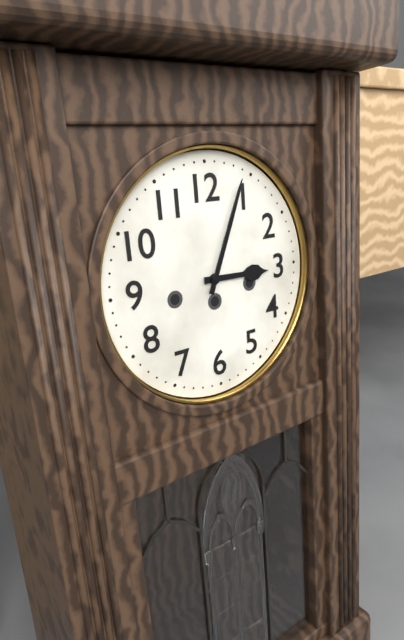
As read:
3:04
